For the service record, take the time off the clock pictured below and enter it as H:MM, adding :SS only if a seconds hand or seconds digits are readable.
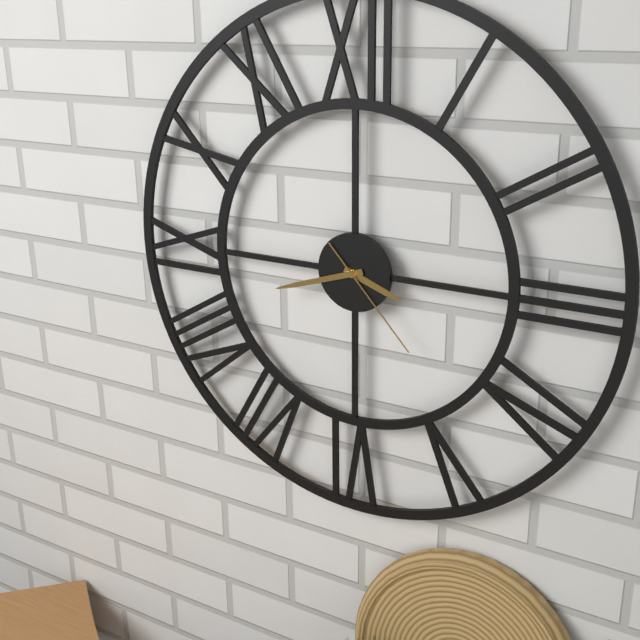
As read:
3:42:23
